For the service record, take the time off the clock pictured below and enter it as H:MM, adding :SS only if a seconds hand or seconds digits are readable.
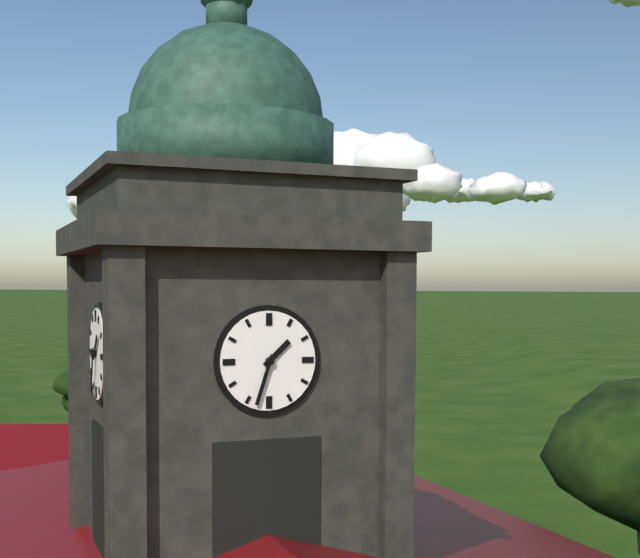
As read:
1:33
